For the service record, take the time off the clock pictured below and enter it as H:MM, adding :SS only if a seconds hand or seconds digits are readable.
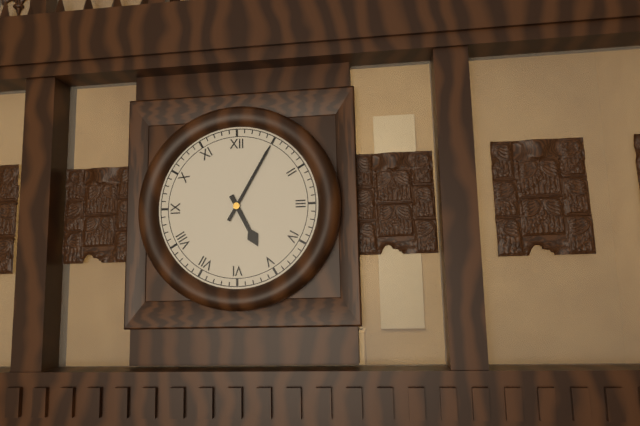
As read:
5:05
